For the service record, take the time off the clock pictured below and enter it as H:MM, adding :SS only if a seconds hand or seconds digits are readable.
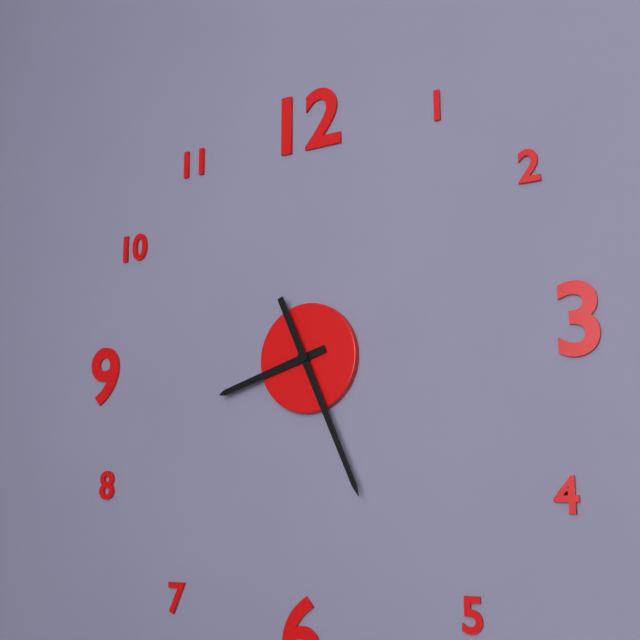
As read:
8:26
